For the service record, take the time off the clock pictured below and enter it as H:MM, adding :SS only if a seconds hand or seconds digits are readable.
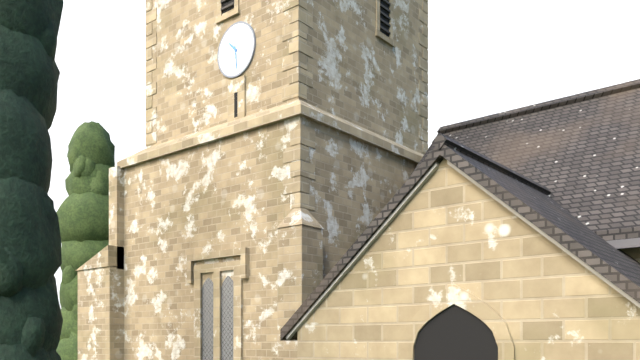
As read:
10:29
